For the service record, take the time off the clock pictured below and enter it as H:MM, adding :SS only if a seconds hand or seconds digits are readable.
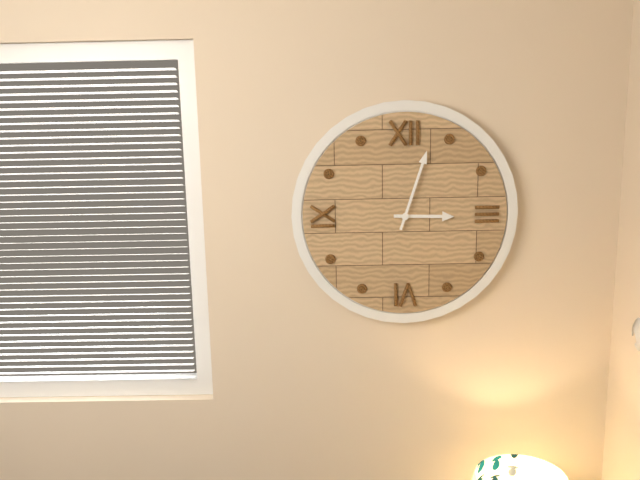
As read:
3:03
